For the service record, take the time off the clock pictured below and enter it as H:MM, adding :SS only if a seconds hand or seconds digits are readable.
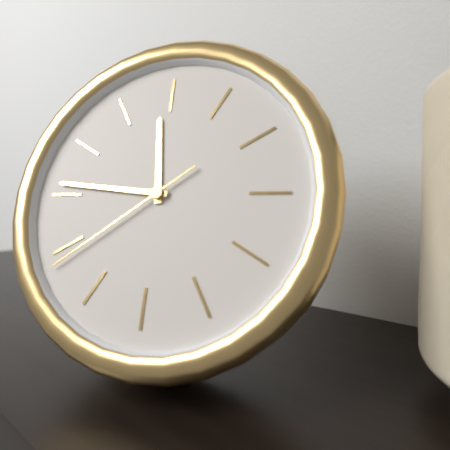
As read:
11:46:39
